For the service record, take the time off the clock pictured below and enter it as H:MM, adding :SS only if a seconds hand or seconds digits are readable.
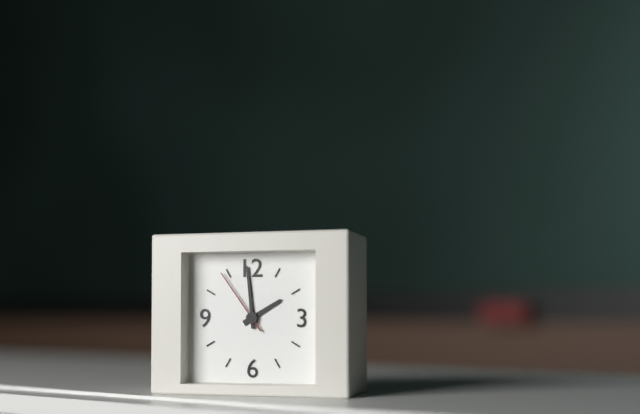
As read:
1:59:54
